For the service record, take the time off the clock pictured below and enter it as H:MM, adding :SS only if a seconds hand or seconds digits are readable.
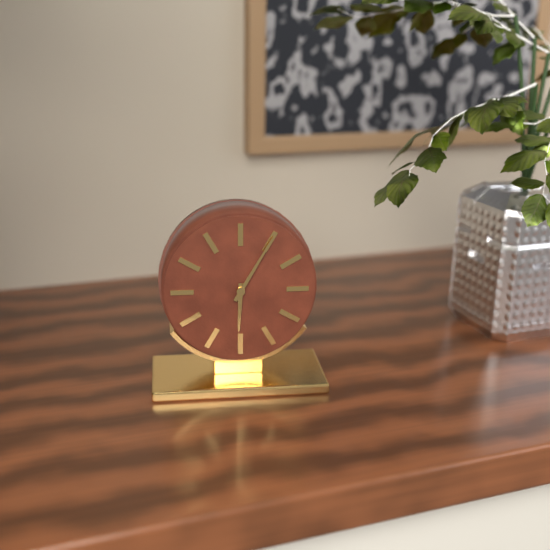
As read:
6:05
